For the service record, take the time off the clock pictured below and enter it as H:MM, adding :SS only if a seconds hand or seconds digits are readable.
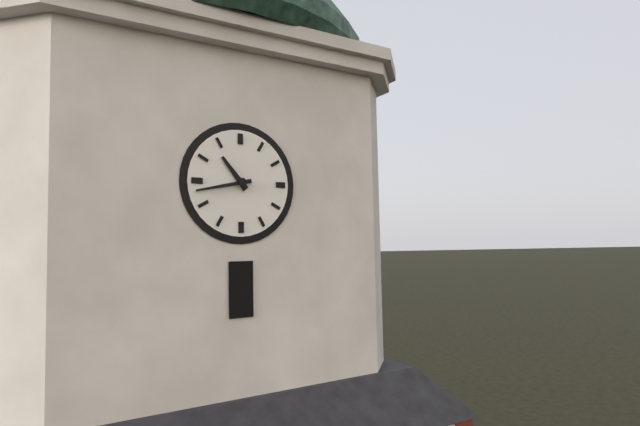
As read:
10:43
